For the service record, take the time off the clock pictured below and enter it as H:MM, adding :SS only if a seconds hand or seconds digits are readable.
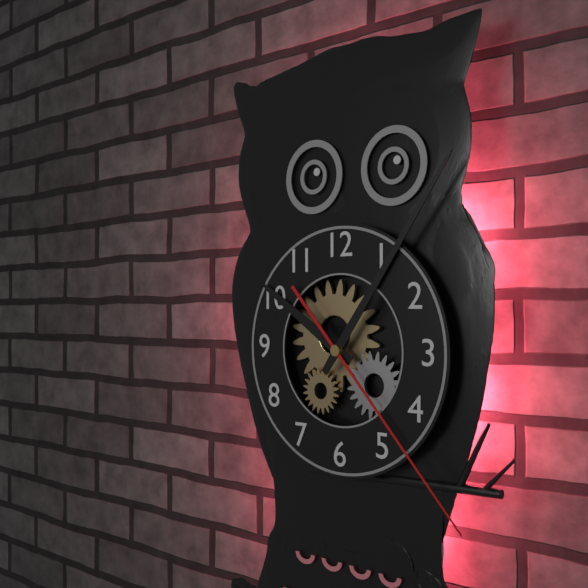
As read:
10:06:23
